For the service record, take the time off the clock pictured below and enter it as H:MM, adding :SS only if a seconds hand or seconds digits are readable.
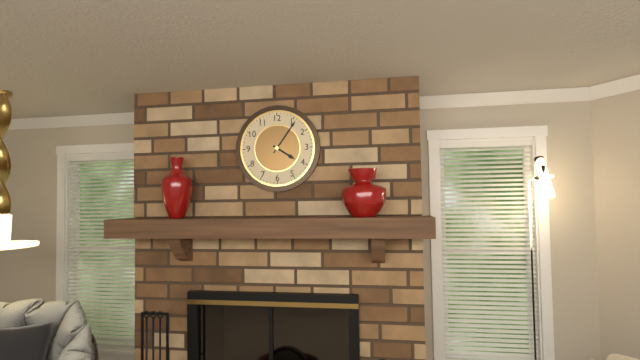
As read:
4:06
